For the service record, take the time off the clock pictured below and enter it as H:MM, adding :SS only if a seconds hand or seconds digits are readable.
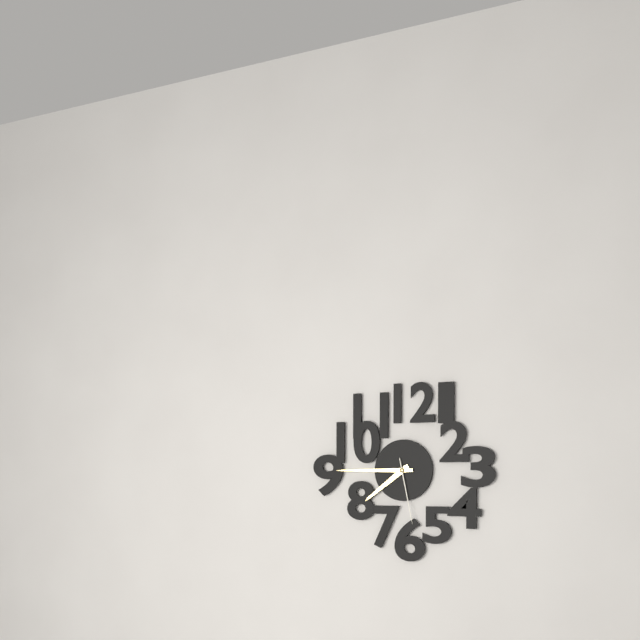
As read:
7:45:28
